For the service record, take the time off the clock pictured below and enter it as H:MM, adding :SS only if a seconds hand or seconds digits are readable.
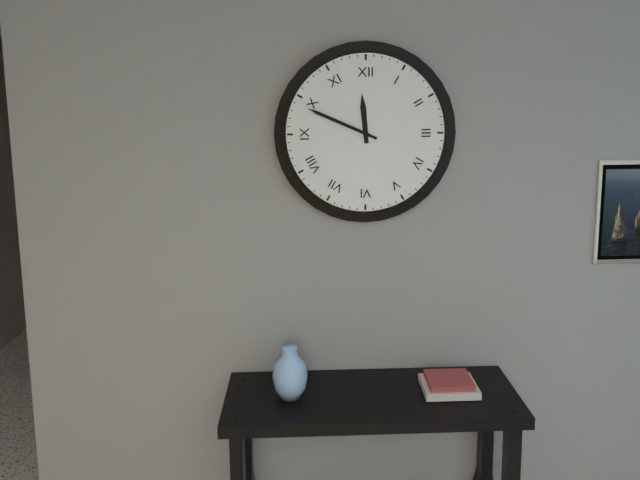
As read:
11:49
